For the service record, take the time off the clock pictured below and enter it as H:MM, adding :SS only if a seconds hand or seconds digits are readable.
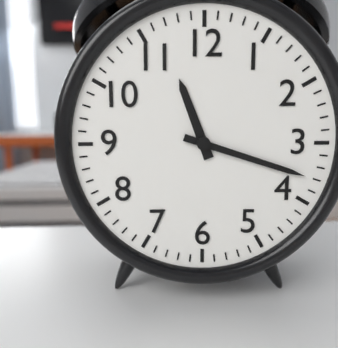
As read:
11:18
